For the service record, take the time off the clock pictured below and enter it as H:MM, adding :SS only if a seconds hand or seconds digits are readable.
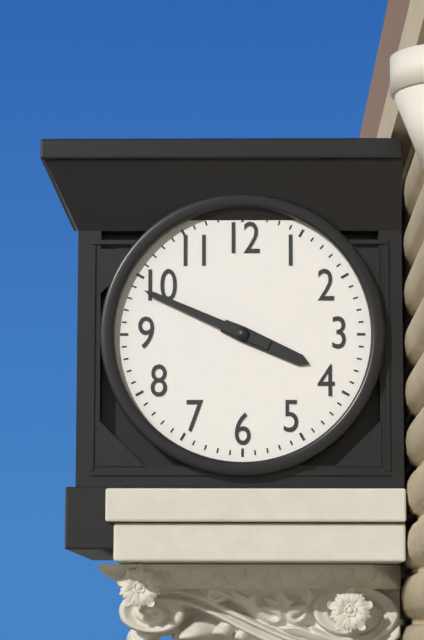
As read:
3:49
